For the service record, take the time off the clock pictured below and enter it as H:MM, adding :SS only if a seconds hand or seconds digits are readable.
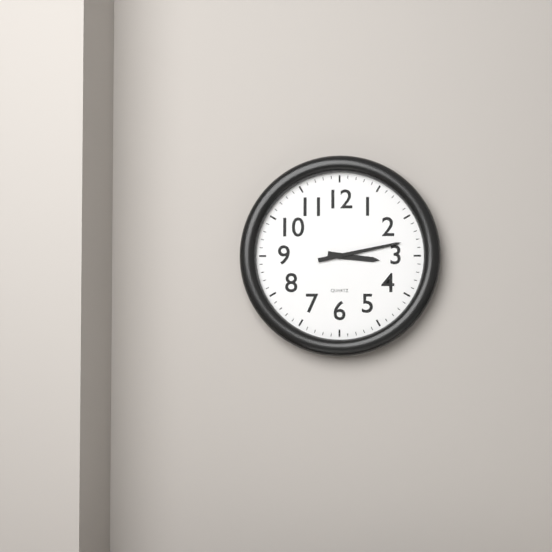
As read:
3:13
